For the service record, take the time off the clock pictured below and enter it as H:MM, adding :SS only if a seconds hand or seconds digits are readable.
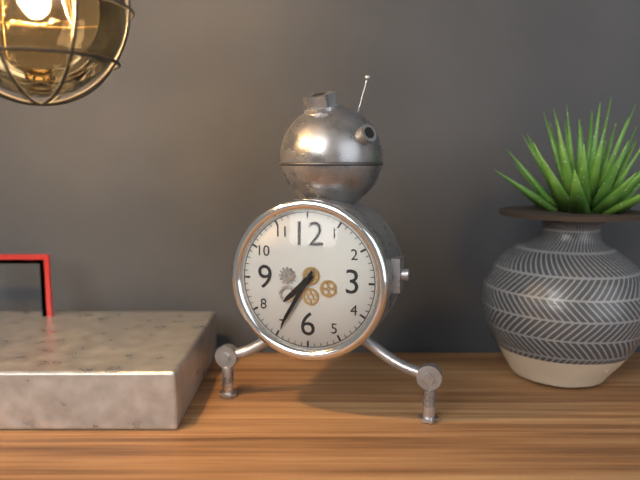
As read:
7:35
